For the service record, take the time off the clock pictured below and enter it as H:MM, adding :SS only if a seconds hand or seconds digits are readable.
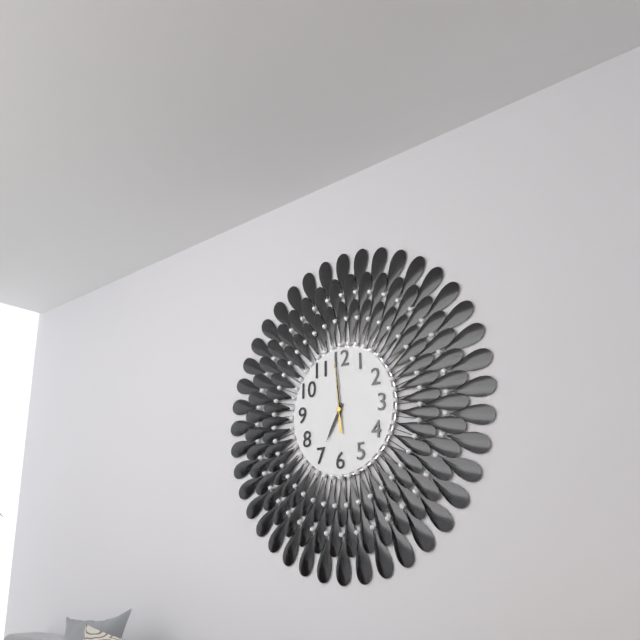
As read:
6:59:59
